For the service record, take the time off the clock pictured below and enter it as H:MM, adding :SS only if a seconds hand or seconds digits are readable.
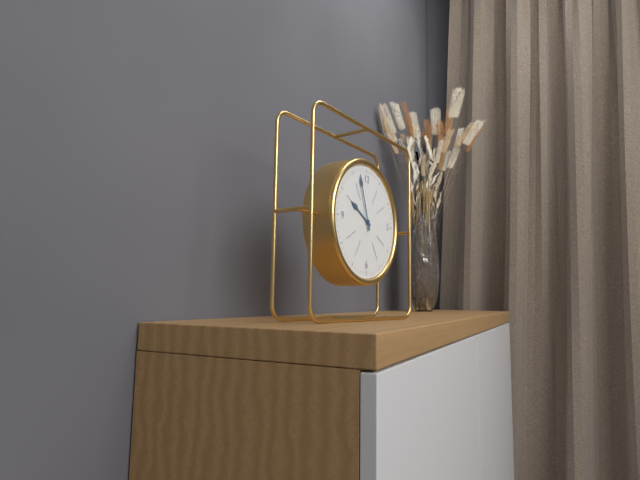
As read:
9:57
